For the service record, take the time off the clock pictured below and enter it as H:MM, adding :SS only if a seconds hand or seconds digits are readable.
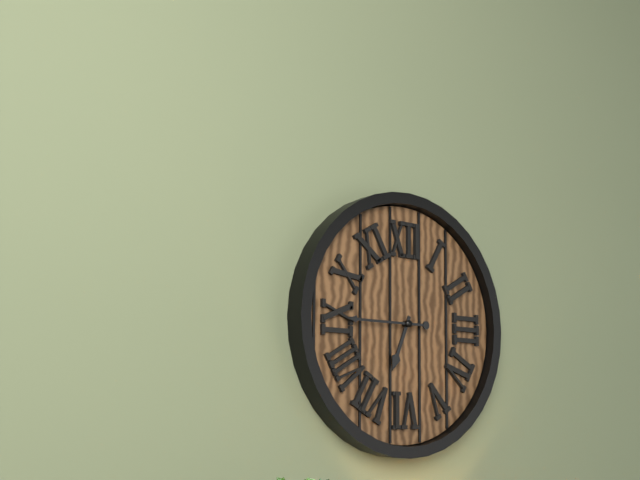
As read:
6:45
